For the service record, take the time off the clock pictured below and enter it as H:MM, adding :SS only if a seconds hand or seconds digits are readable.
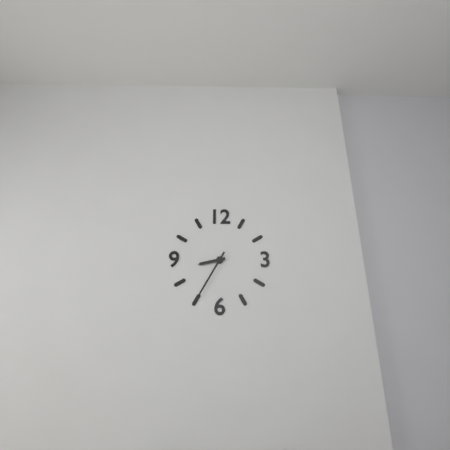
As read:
8:35
